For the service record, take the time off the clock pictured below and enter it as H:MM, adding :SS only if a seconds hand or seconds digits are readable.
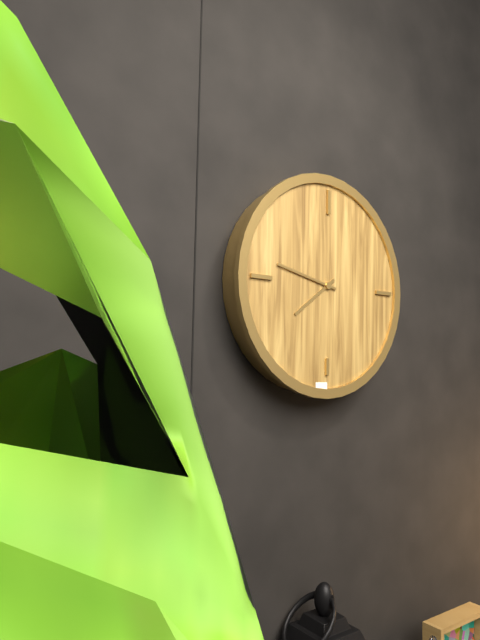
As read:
7:47
